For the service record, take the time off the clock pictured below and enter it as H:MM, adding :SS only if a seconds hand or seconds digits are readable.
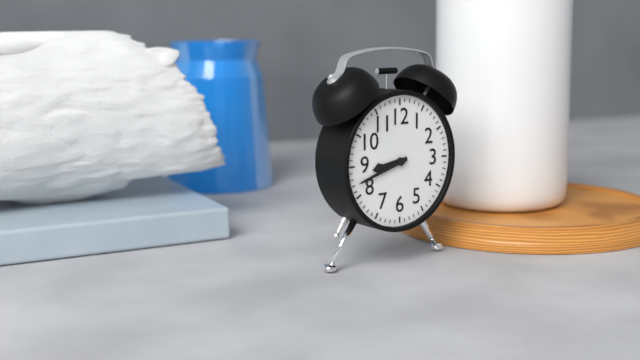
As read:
8:42
